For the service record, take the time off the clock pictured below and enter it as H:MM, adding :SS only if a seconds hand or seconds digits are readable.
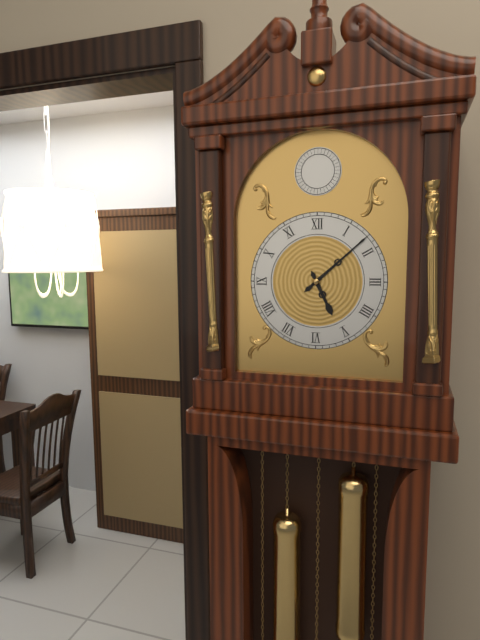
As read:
5:08
